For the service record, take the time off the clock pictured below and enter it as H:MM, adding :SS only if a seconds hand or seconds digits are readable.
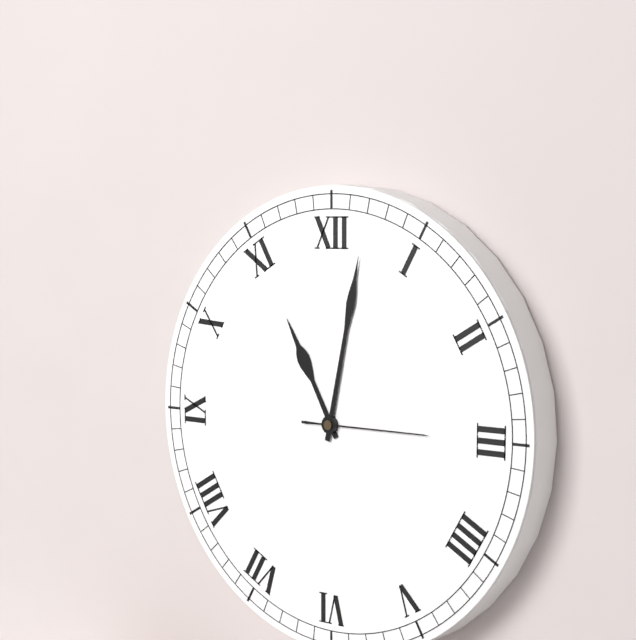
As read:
11:02:15
